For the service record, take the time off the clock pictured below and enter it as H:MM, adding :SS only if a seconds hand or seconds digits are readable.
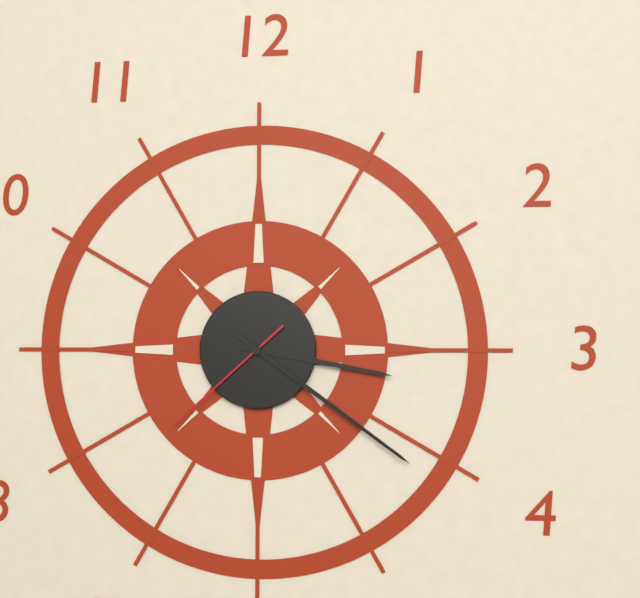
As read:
3:21:38
